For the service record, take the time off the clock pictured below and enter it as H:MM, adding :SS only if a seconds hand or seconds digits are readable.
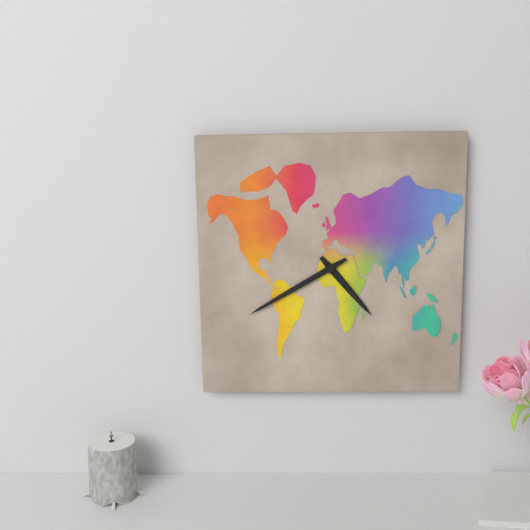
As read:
4:40
